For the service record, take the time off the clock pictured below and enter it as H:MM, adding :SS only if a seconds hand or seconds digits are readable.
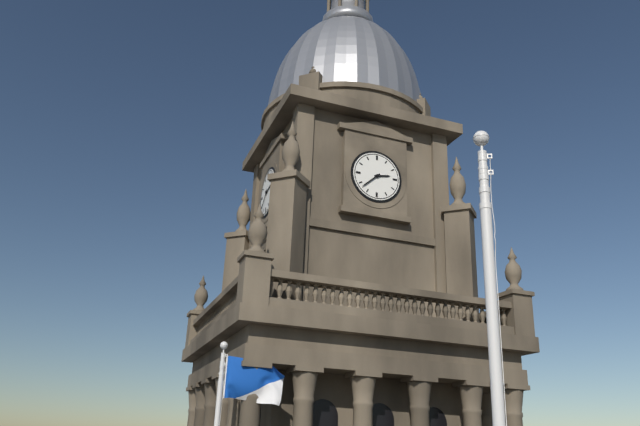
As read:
2:38
